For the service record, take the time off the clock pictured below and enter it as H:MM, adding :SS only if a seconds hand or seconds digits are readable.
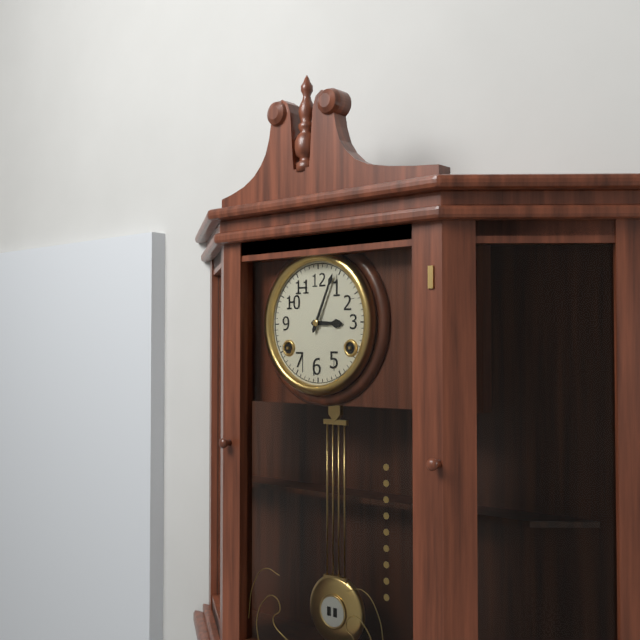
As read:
3:04
